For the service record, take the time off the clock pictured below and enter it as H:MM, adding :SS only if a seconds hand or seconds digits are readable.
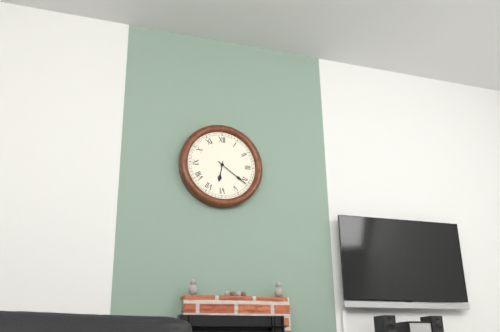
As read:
6:21
